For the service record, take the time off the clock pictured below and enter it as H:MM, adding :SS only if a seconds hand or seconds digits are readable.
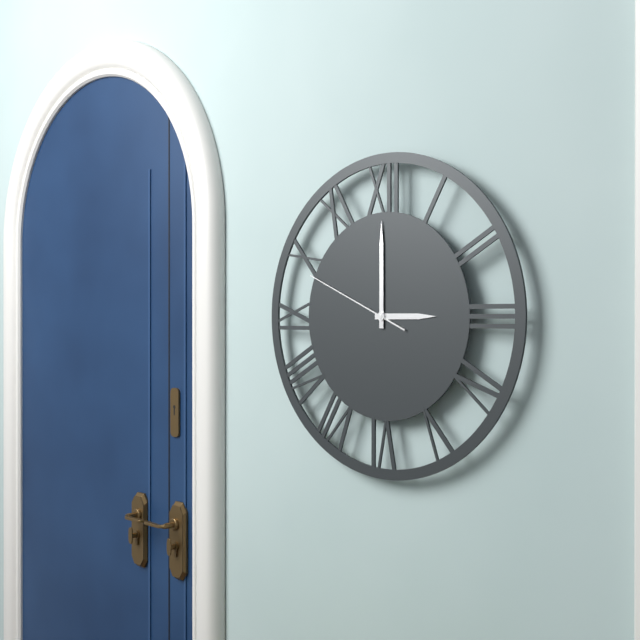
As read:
3:00:49
